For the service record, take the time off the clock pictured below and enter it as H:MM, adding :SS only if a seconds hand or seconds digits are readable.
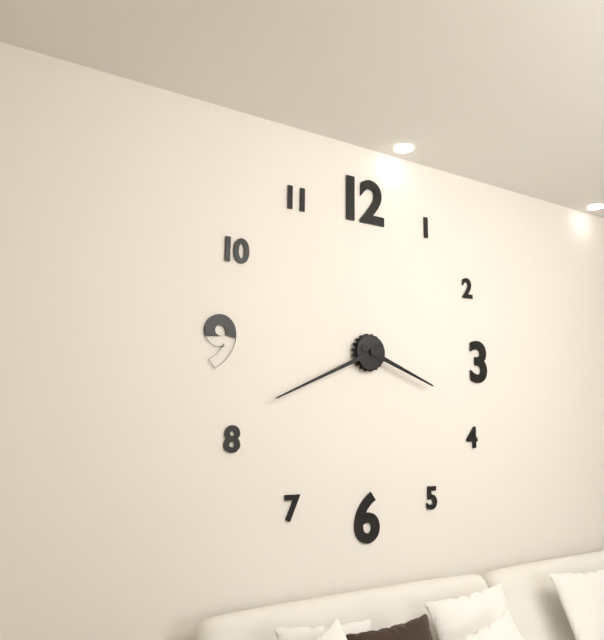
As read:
3:41
